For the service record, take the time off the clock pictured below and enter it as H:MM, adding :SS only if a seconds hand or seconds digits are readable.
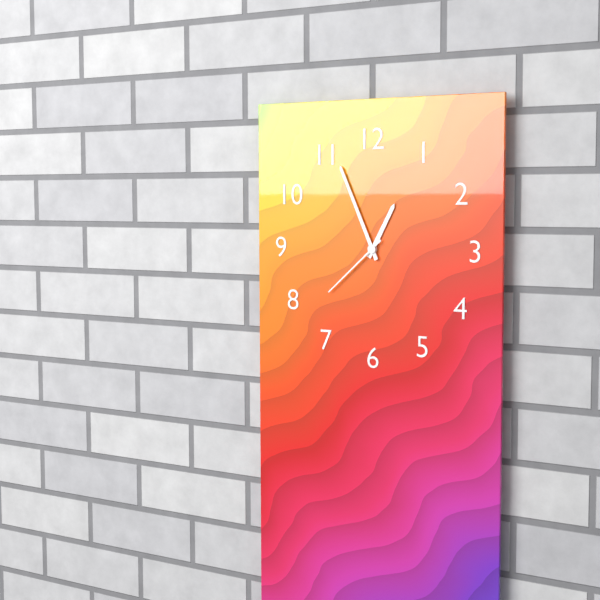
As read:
12:56:38
